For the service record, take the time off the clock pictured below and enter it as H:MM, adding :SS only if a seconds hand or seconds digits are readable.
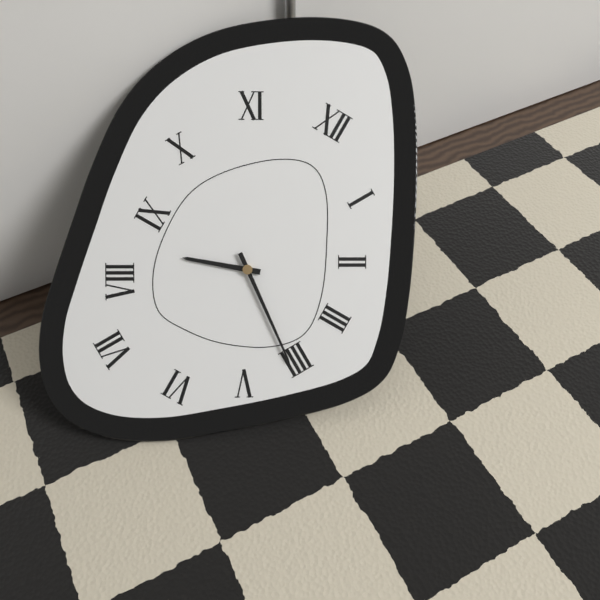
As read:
8:21
